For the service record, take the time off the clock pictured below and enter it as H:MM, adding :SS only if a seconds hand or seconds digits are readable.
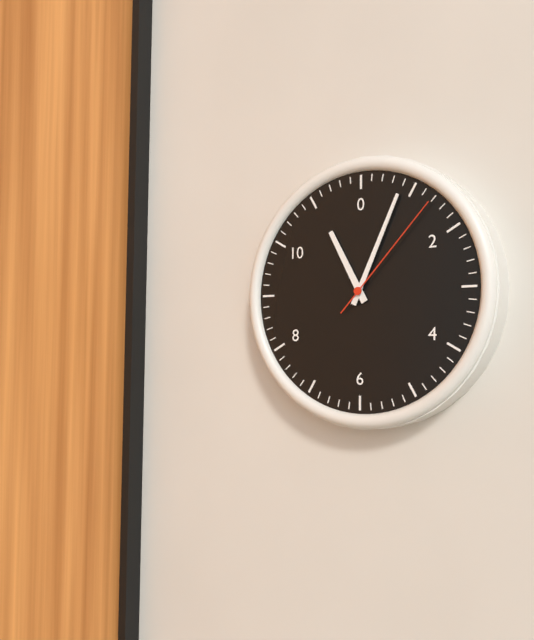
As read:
11:04:07
